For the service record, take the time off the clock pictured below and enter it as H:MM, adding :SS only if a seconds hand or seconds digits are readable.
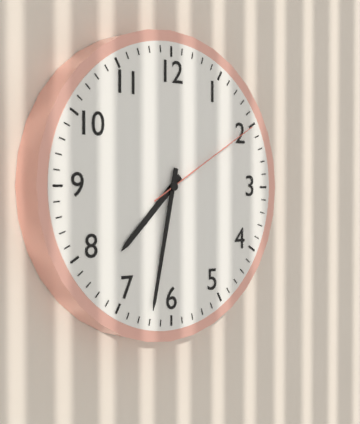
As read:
7:32:10
